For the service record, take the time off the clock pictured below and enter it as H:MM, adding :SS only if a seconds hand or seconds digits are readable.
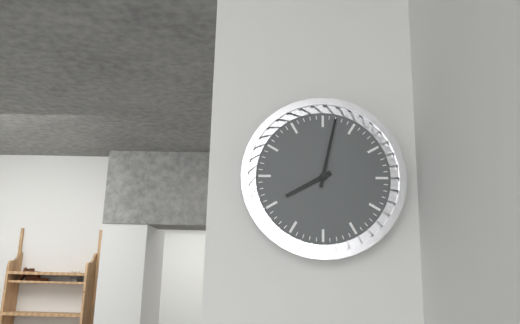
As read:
8:02
